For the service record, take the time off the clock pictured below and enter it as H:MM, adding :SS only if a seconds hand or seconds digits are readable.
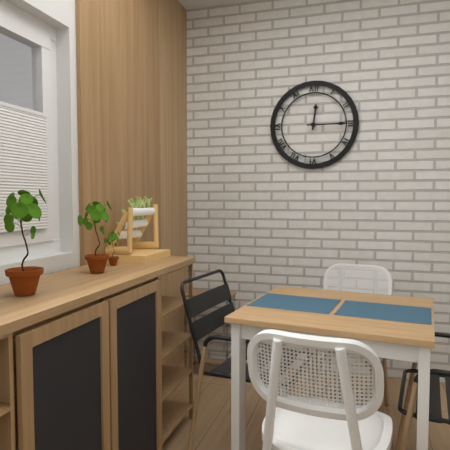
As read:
12:15
